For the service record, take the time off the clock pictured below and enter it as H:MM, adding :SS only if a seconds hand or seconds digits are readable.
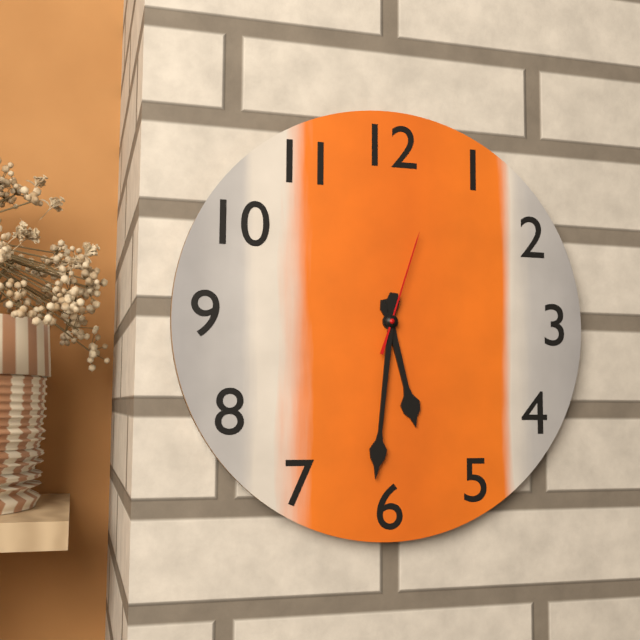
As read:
5:31:03
